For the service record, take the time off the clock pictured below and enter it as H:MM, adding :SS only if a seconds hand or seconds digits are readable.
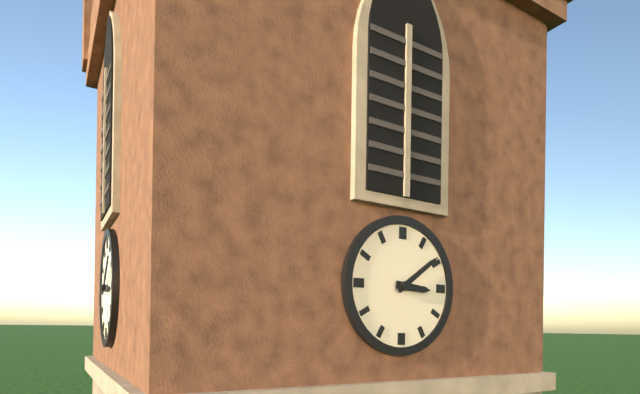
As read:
3:09
